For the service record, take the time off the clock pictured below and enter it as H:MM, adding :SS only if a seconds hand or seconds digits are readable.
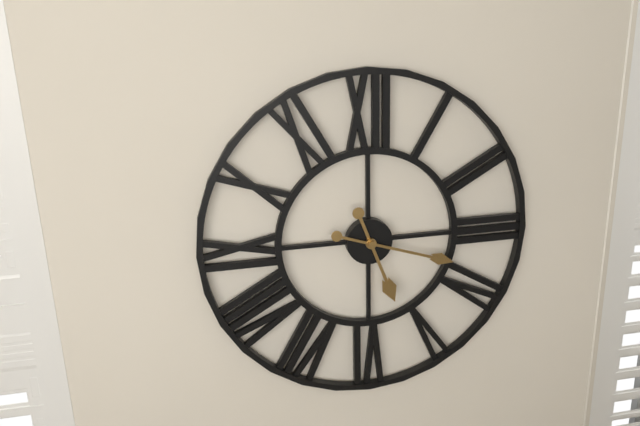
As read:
5:18
